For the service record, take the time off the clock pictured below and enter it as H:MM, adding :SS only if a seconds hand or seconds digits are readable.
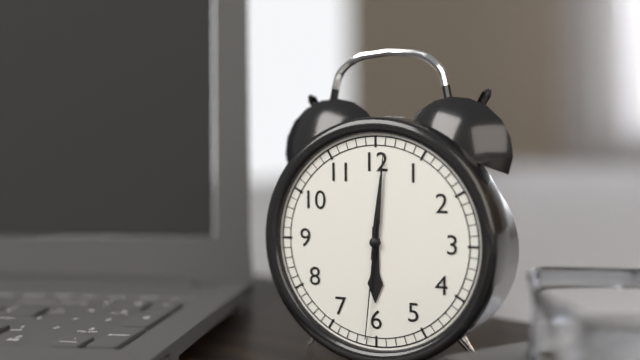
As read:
6:01:31
